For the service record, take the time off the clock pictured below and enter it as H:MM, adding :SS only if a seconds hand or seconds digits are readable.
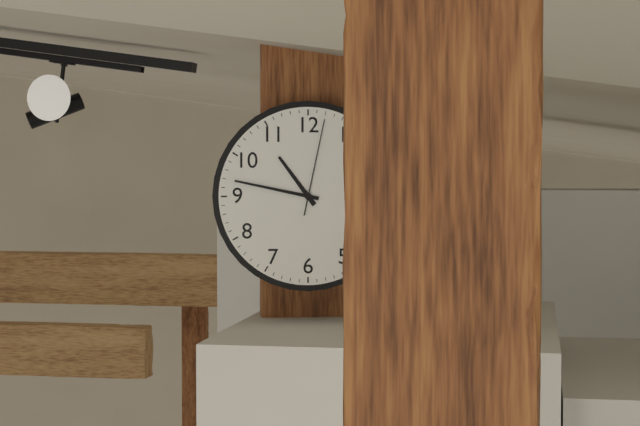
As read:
10:47:02
